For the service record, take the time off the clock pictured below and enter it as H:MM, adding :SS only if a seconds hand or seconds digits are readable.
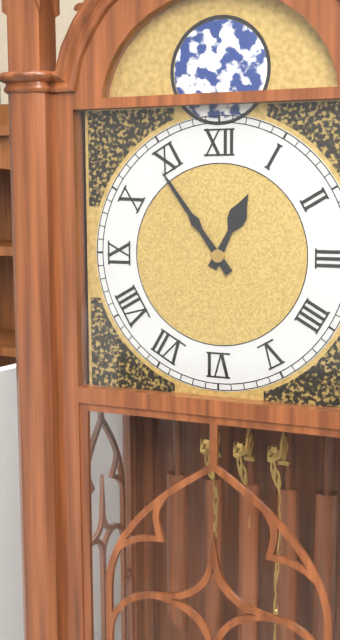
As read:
12:54
